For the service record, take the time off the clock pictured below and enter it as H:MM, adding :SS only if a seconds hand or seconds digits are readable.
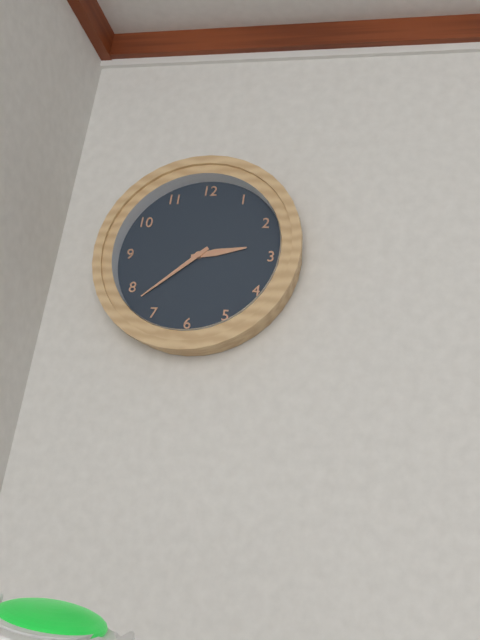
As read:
2:38
